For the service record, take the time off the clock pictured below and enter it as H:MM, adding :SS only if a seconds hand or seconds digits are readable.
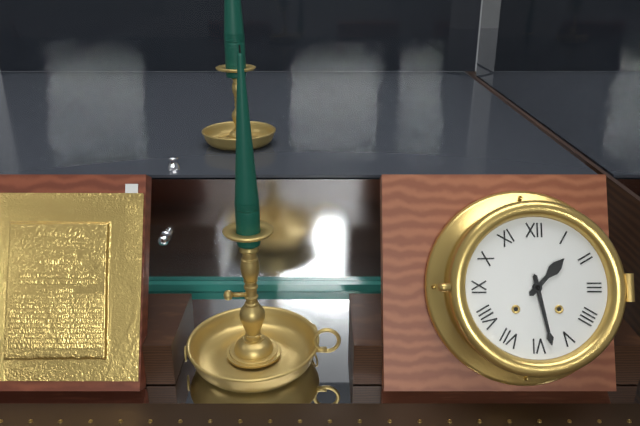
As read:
1:28
